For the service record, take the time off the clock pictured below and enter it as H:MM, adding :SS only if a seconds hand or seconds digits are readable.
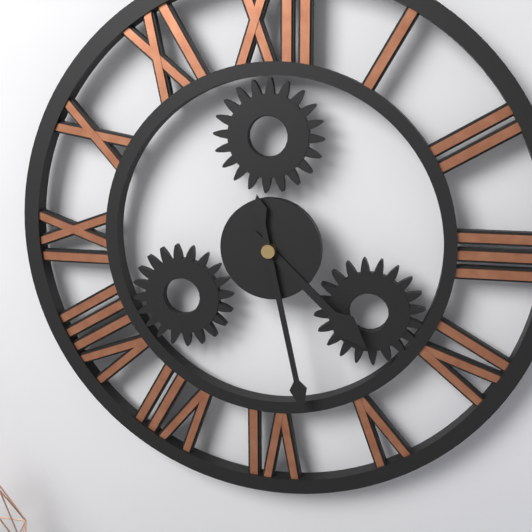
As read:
4:28
